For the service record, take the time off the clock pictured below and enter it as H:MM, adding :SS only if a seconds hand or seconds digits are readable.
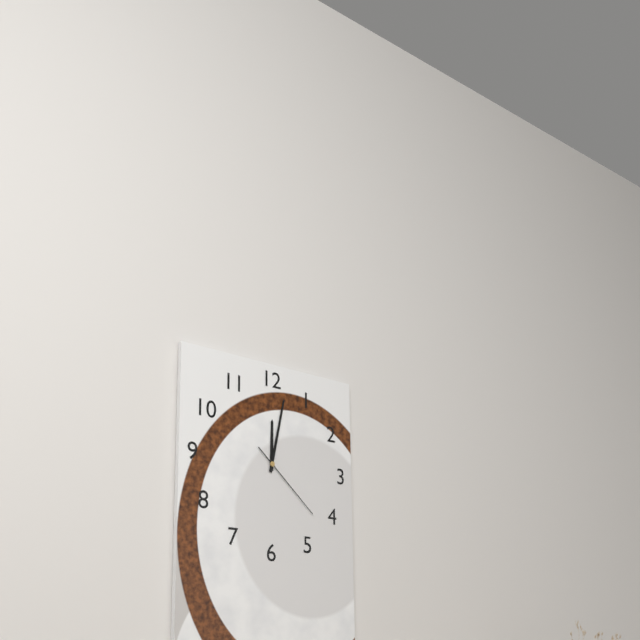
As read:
12:02:22
